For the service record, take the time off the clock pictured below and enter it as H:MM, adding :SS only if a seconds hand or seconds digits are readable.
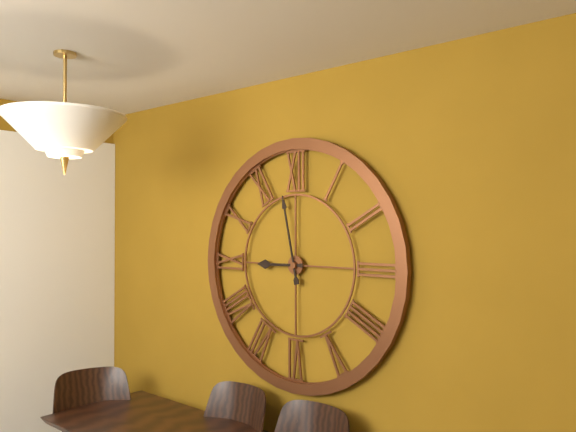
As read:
8:58
